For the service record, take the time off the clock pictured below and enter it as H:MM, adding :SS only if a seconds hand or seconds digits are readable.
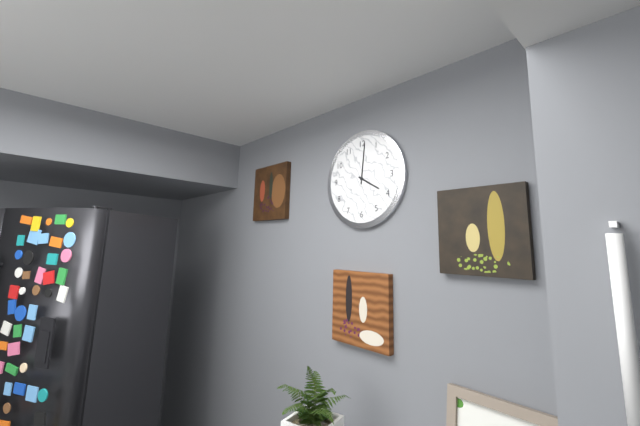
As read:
4:01
